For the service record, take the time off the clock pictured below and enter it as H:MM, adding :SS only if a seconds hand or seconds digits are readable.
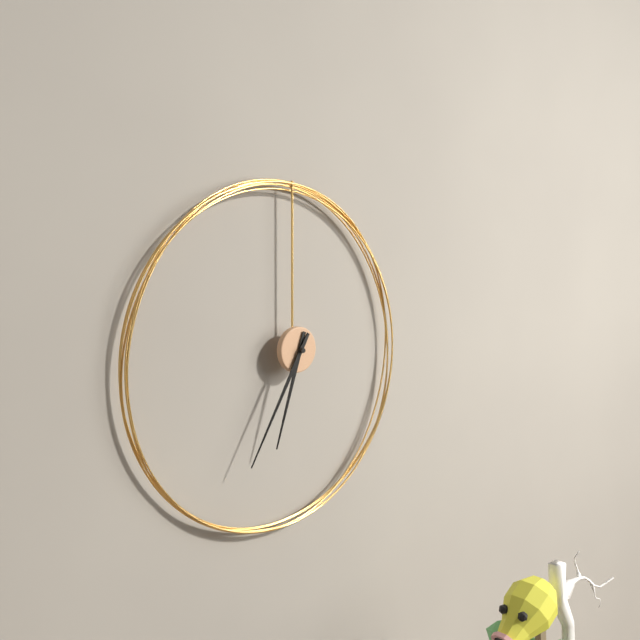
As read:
6:35
